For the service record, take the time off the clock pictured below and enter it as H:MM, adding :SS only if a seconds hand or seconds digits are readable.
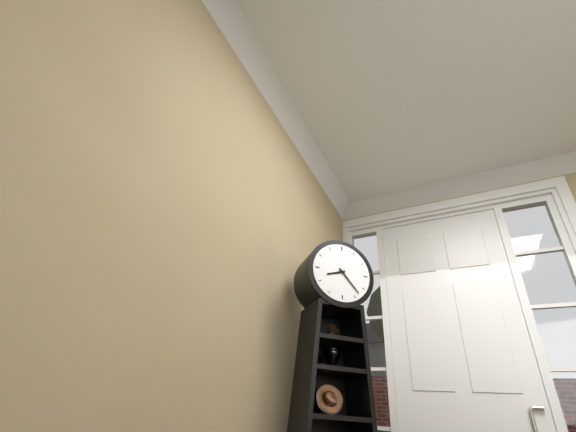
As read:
8:23
